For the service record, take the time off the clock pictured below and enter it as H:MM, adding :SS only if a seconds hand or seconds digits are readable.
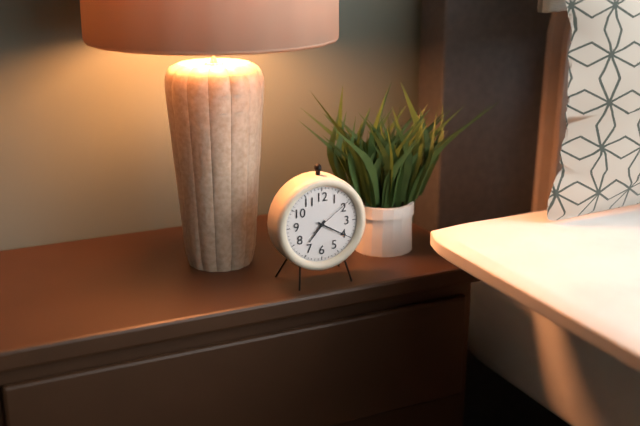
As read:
7:20
